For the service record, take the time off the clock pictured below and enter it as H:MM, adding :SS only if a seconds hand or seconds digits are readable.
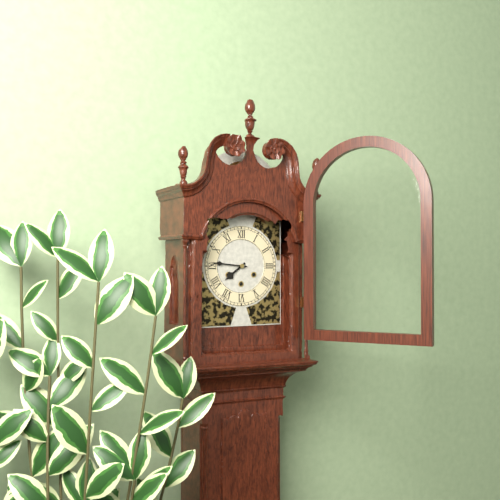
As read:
7:46
